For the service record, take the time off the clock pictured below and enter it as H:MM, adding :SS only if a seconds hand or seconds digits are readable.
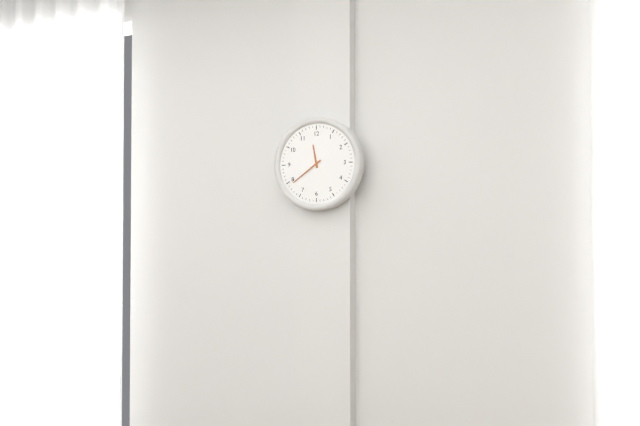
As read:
11:39
